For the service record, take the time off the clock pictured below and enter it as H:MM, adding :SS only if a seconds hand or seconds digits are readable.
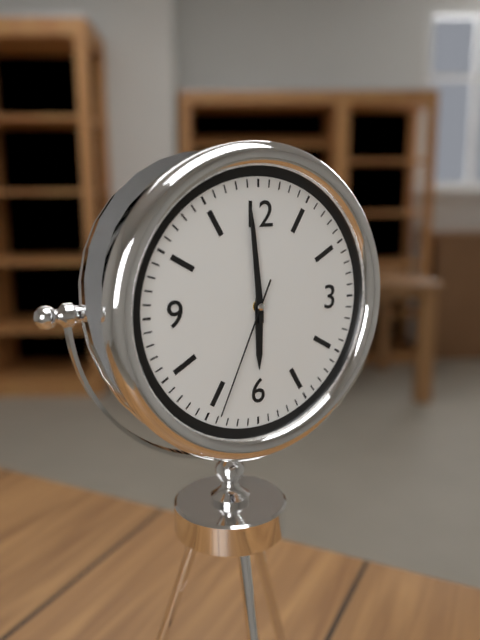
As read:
5:59:34
